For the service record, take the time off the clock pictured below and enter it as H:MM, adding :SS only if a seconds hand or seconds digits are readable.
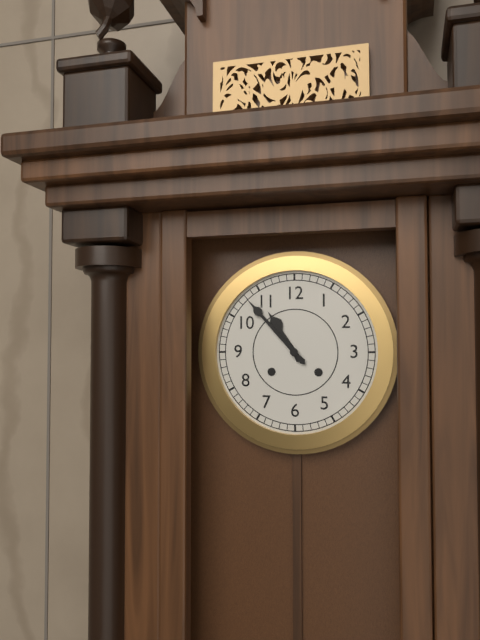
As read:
10:53
